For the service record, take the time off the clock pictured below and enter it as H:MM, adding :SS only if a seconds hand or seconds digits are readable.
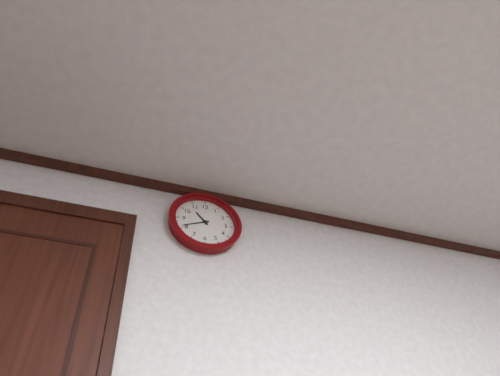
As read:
10:41
